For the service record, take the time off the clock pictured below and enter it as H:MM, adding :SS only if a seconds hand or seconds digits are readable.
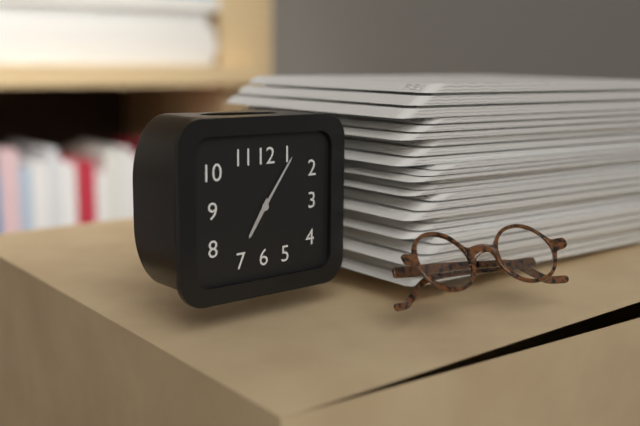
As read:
7:06
